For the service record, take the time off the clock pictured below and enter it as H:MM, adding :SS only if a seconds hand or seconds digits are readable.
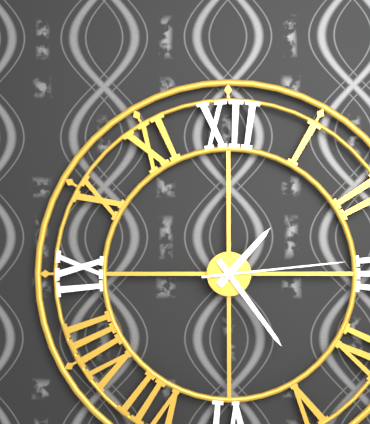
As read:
1:24:14
